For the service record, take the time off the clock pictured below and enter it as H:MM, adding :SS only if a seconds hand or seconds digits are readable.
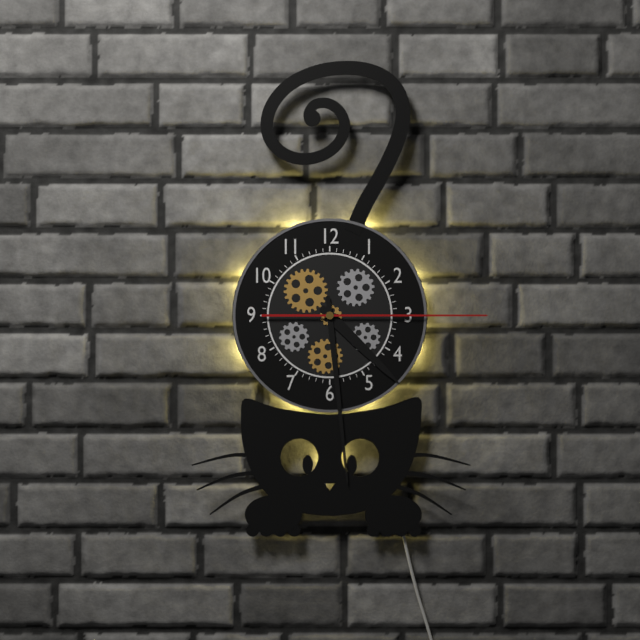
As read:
4:29:15
